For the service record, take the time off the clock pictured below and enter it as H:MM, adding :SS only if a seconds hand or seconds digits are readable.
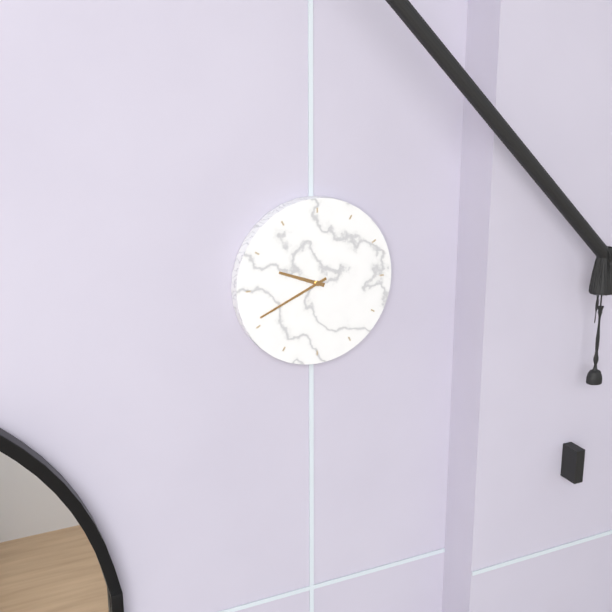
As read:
9:41
